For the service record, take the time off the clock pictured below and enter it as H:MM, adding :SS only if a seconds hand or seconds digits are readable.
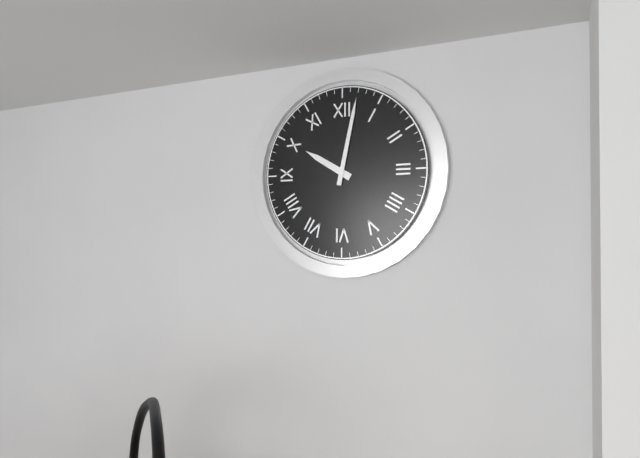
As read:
10:02
